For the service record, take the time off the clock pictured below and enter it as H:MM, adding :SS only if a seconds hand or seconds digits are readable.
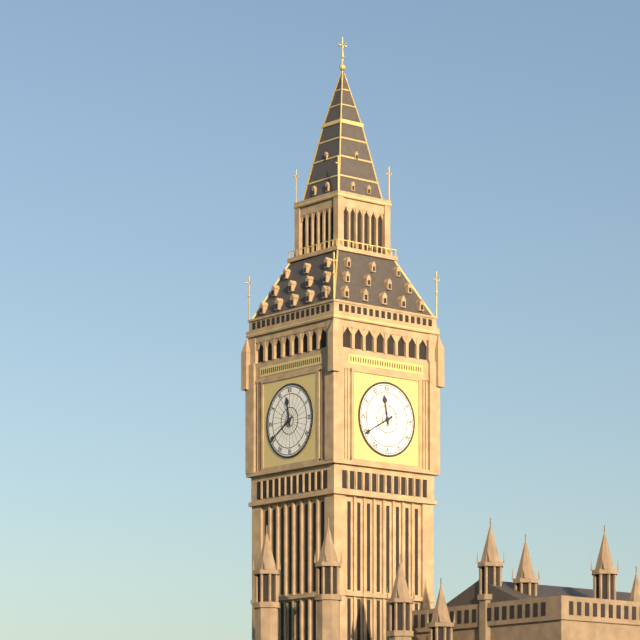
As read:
11:40
